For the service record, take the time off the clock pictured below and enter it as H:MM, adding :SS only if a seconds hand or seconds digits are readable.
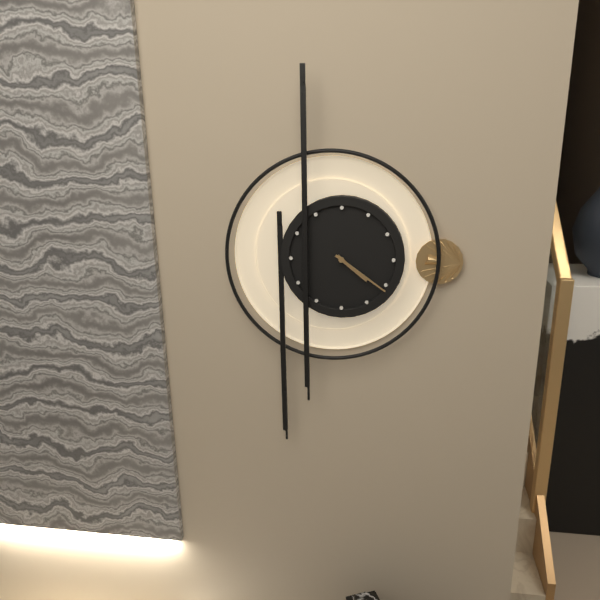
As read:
4:21
